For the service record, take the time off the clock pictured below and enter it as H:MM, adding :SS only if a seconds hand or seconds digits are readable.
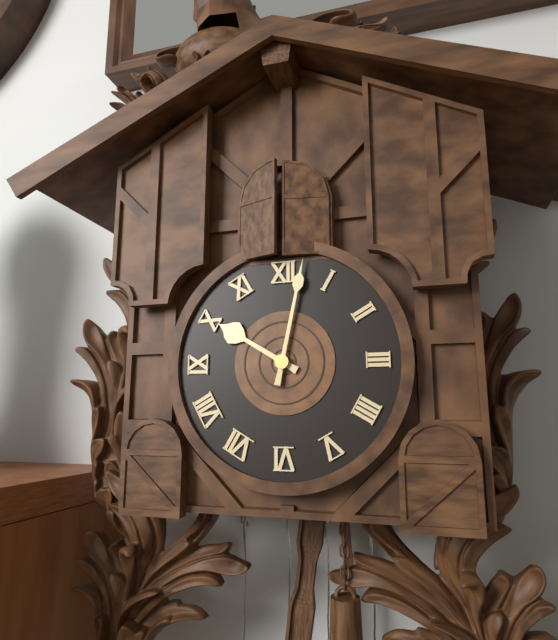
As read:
10:02
